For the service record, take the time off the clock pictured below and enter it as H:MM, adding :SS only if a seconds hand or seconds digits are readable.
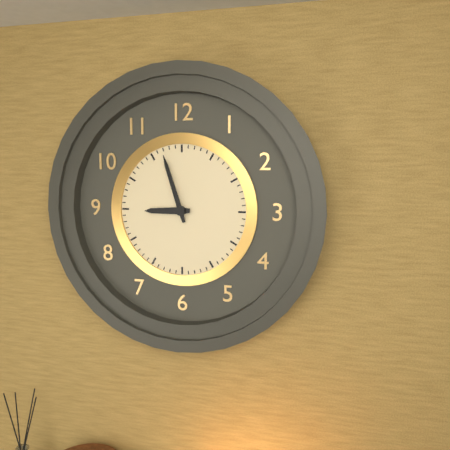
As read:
8:57
